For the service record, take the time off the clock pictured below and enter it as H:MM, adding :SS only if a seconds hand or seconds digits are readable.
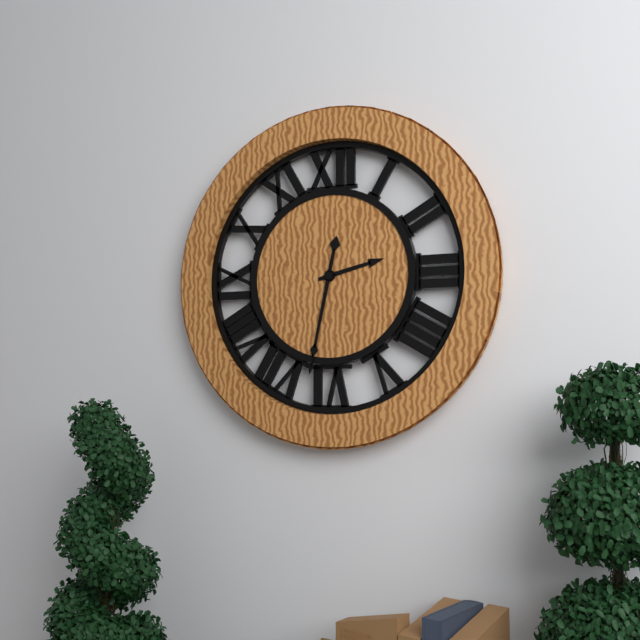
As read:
2:32
